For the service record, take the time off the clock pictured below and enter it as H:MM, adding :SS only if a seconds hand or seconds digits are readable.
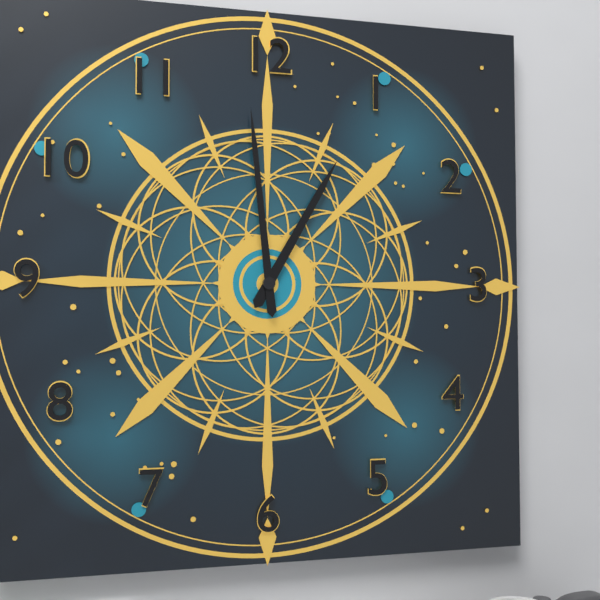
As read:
12:59
